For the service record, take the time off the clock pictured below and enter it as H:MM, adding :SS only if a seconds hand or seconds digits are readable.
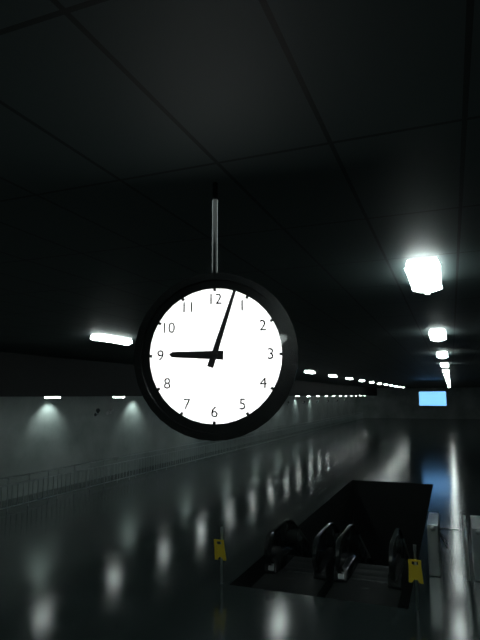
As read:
9:03
